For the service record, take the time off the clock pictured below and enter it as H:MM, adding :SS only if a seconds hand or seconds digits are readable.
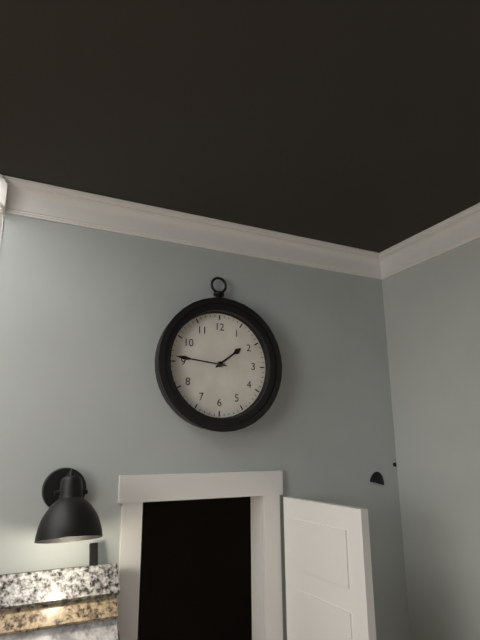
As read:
1:46
